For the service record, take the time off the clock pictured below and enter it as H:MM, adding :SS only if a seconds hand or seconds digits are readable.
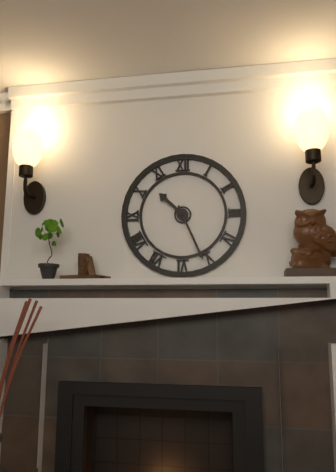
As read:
10:26
